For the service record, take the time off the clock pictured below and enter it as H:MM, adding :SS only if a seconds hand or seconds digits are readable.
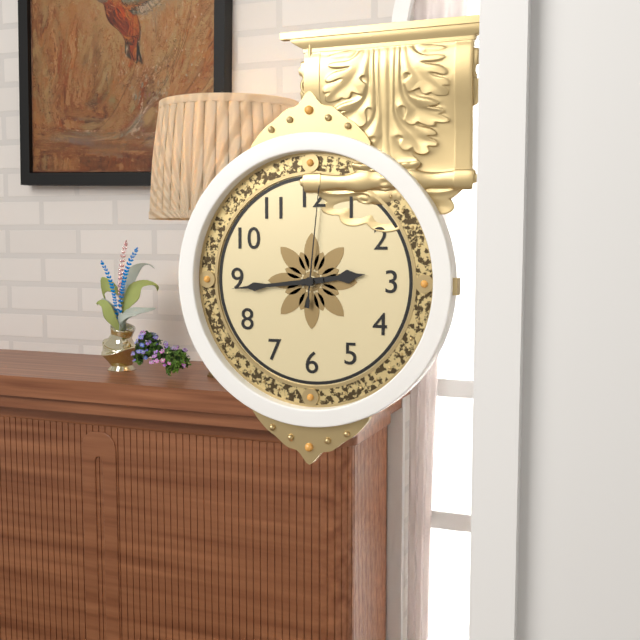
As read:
2:44:01
